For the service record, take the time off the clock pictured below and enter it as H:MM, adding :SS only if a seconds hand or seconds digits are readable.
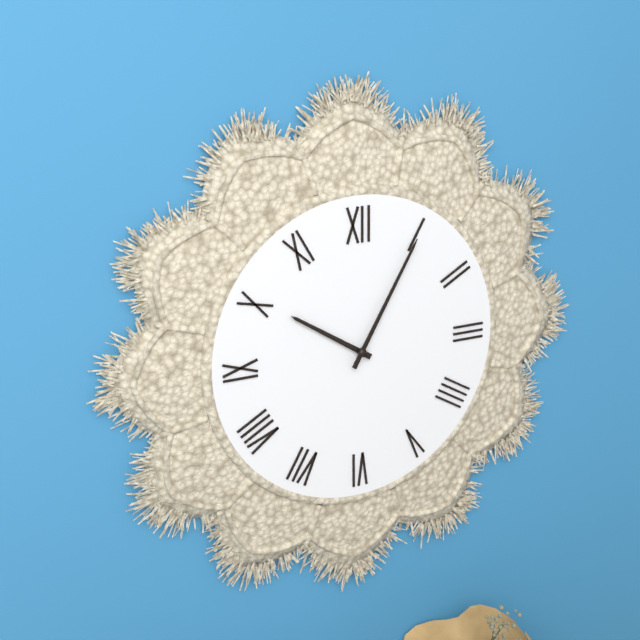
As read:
10:05
